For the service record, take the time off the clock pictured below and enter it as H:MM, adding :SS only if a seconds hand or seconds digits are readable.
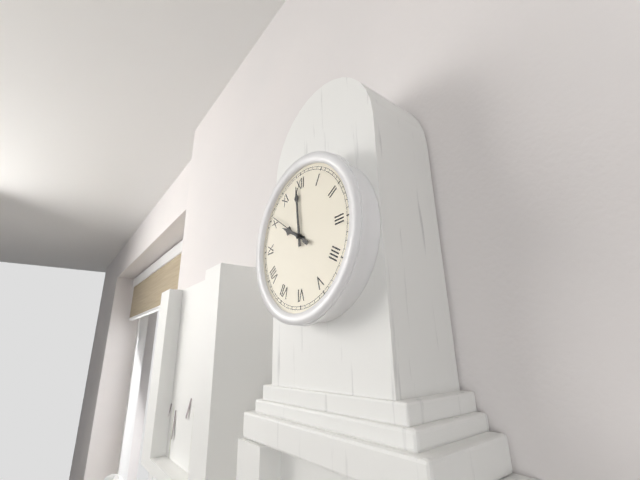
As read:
9:59
